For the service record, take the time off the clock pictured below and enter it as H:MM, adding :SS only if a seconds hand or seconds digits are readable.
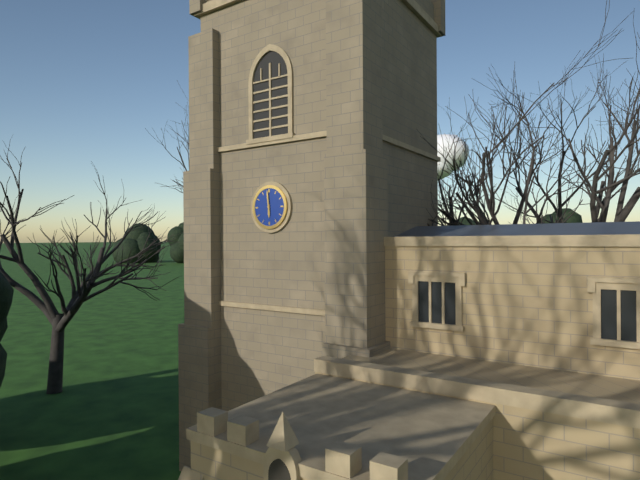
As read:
5:59
